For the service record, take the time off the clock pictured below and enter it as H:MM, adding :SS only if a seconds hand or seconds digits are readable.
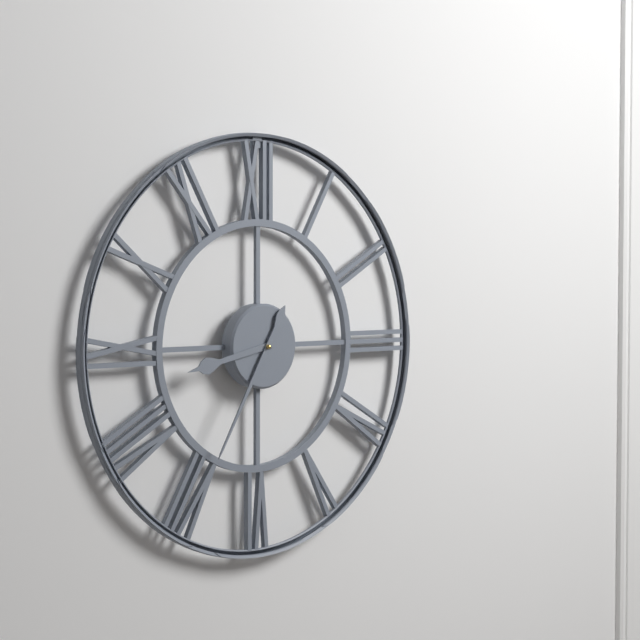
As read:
8:35
